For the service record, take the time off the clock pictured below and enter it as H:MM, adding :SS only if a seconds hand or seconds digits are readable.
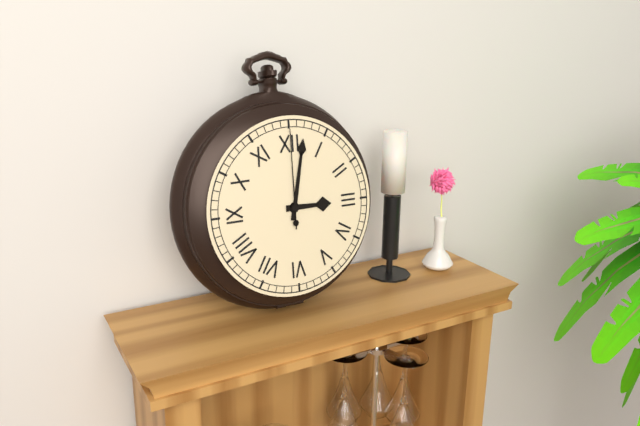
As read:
3:02:00
